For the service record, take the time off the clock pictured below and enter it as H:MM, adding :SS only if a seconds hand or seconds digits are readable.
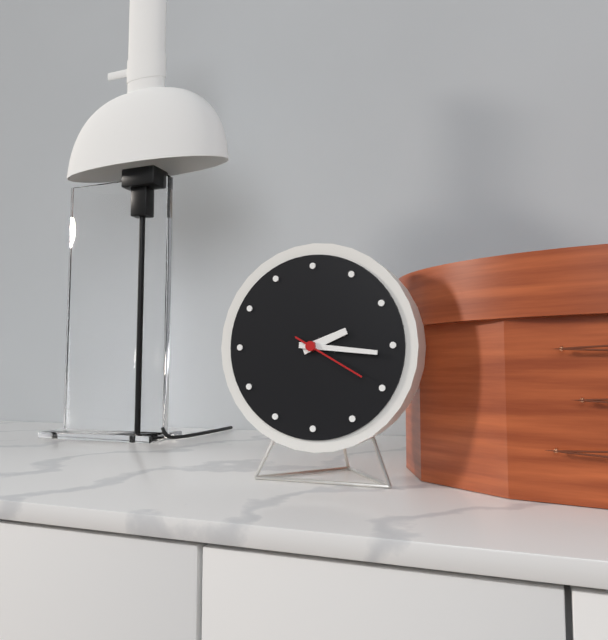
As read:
2:16:20
